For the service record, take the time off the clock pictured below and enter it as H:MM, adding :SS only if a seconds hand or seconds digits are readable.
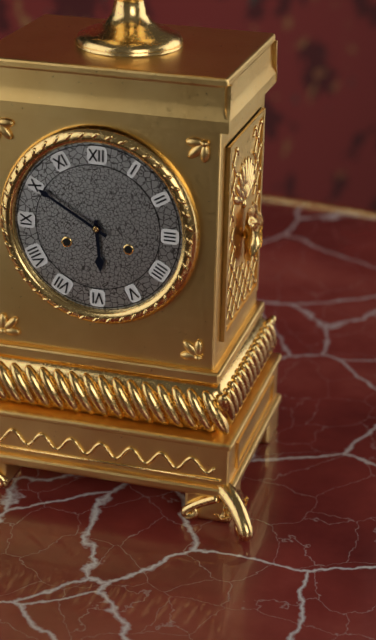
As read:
5:50
